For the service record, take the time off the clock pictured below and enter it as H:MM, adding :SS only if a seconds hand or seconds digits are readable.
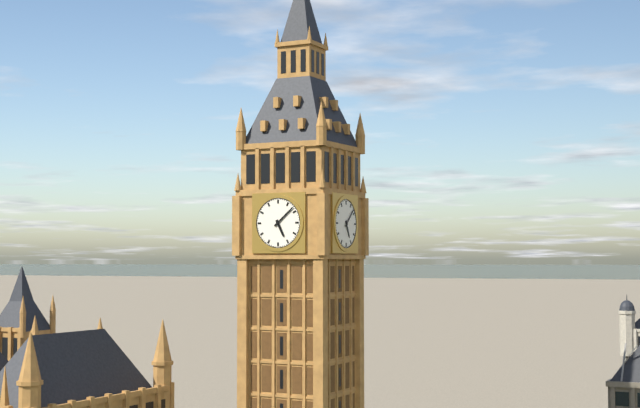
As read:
5:08
